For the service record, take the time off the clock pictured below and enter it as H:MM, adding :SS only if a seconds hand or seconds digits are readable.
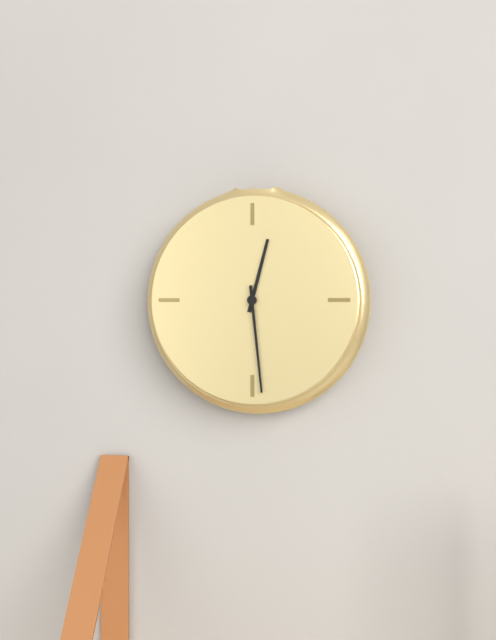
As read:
12:29
